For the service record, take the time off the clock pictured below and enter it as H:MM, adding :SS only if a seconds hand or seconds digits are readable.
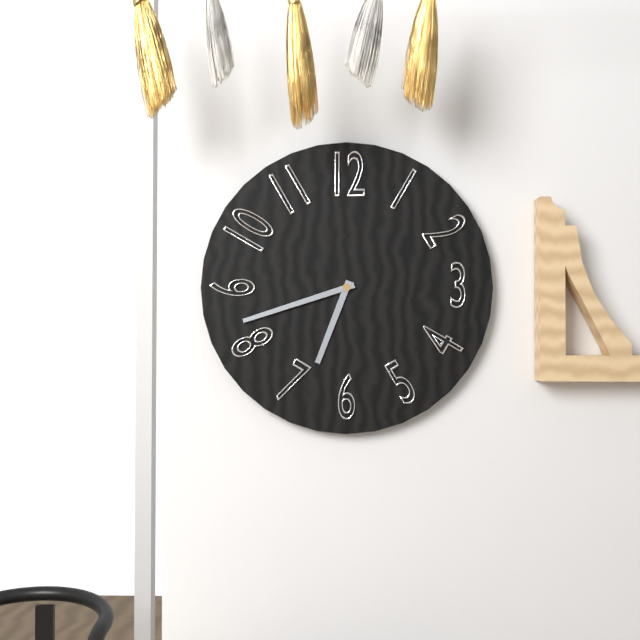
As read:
6:42
